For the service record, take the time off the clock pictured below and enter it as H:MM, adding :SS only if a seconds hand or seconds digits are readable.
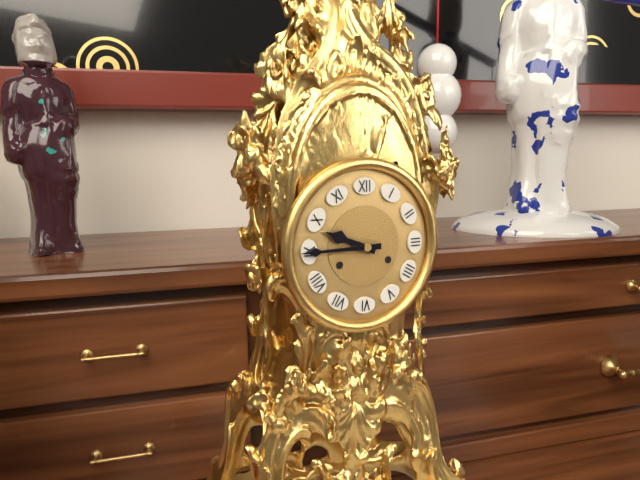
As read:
9:45
